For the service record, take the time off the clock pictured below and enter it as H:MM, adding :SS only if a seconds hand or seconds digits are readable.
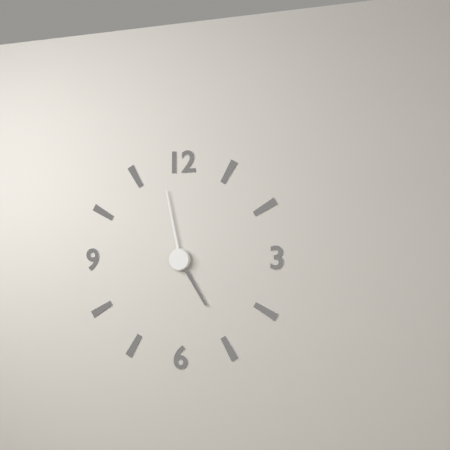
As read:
4:58
